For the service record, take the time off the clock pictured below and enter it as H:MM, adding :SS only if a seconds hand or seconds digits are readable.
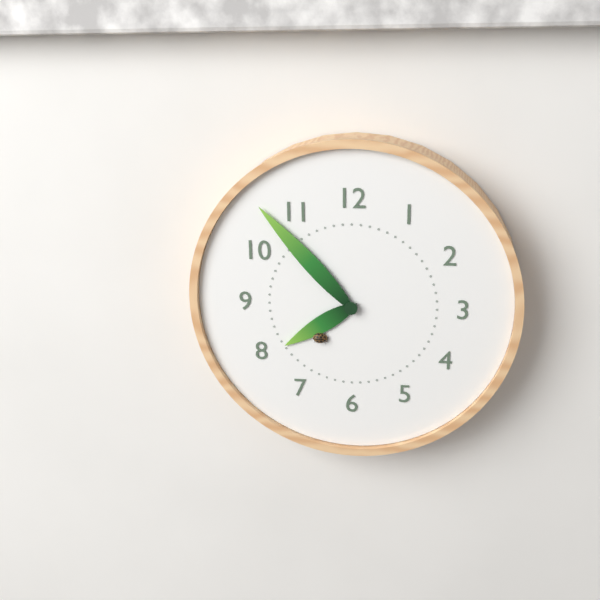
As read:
7:53
